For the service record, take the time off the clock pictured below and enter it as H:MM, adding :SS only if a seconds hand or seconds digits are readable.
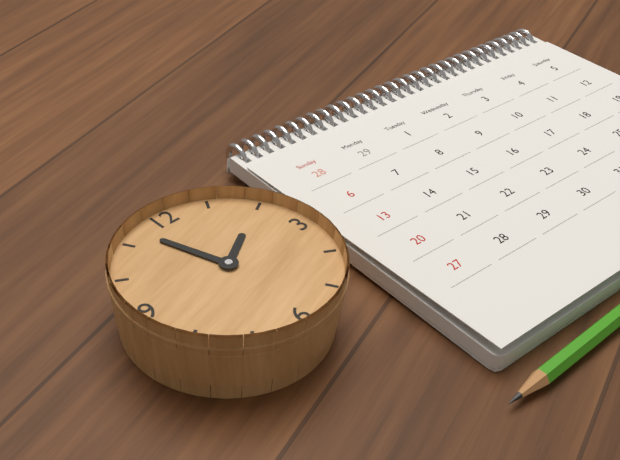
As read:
1:57
